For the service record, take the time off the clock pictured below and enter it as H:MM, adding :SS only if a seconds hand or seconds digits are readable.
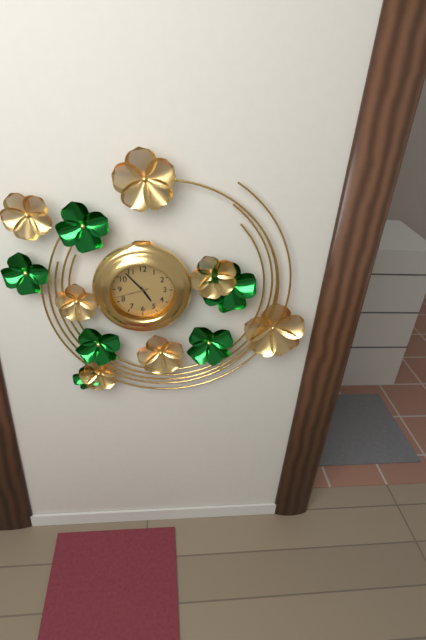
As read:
4:53
